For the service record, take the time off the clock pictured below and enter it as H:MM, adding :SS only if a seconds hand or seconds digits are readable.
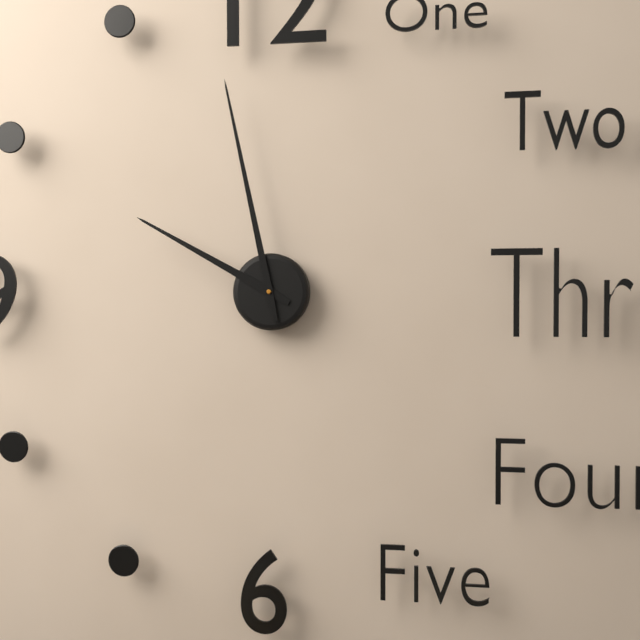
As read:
9:58
